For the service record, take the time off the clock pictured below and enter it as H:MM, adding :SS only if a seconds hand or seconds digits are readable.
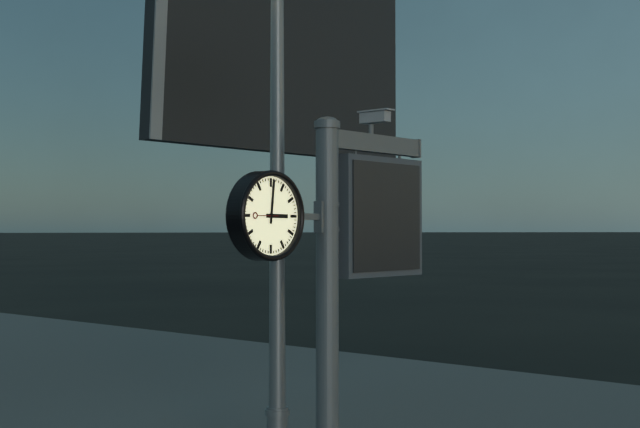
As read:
3:01
